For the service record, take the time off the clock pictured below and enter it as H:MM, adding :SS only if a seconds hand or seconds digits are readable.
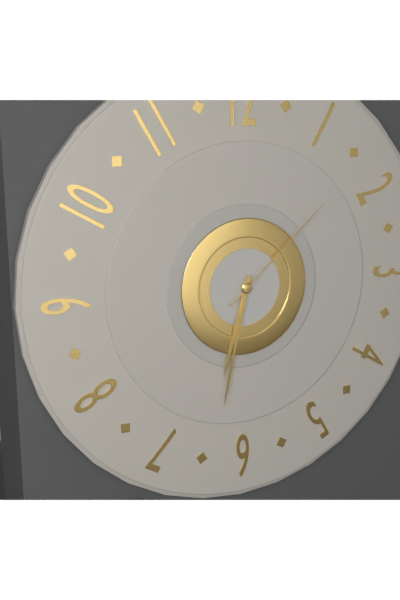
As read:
6:32:08
